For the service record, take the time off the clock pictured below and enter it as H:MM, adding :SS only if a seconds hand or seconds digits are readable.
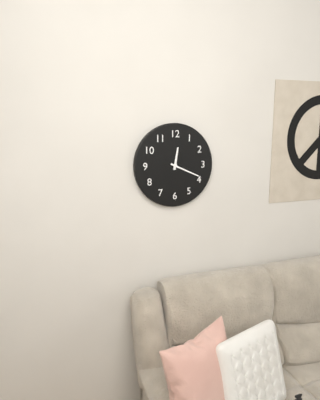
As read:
12:19
